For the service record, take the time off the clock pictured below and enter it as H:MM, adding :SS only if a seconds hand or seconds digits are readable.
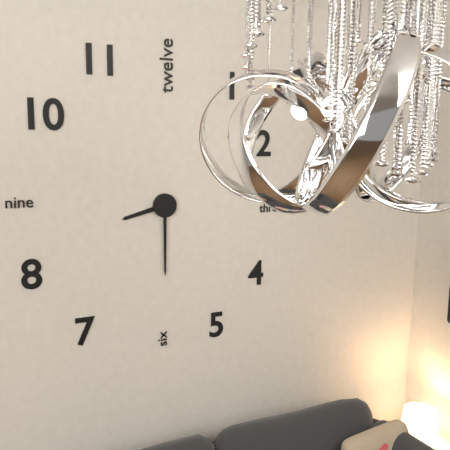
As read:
8:30
